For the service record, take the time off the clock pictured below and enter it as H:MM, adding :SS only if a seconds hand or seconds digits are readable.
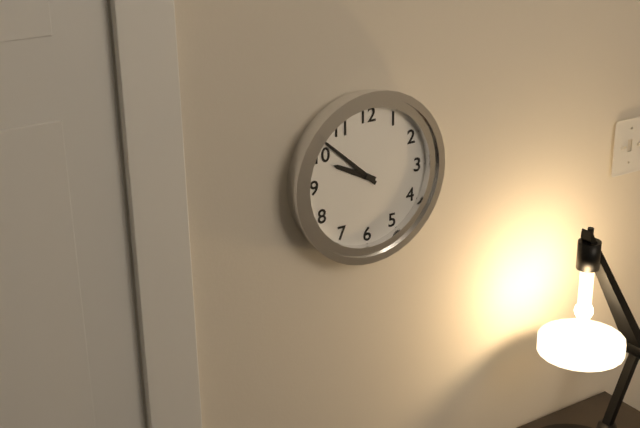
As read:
9:52
